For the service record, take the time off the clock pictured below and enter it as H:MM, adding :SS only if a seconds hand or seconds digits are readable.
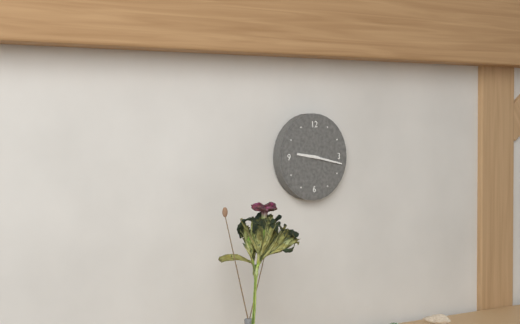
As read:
9:17
